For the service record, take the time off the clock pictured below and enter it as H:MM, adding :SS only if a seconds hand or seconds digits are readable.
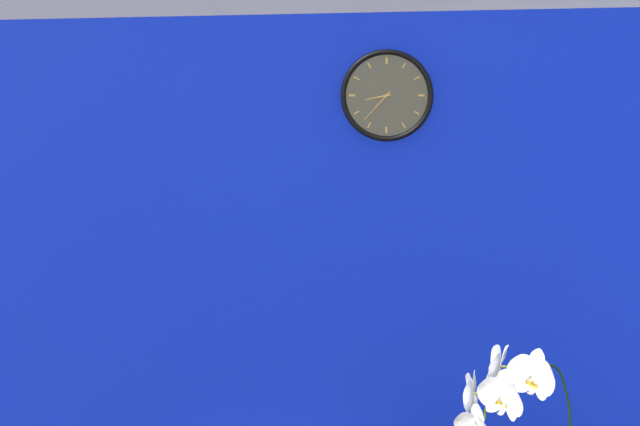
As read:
8:37
